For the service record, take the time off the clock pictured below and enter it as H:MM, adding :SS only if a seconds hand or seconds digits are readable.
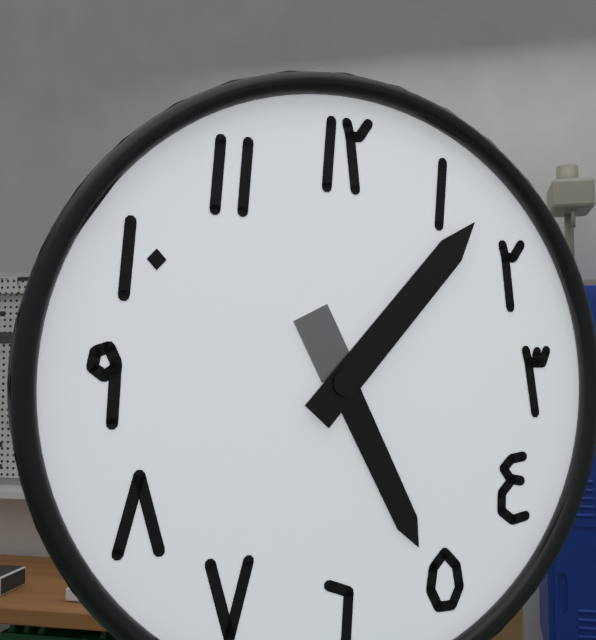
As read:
5:07
